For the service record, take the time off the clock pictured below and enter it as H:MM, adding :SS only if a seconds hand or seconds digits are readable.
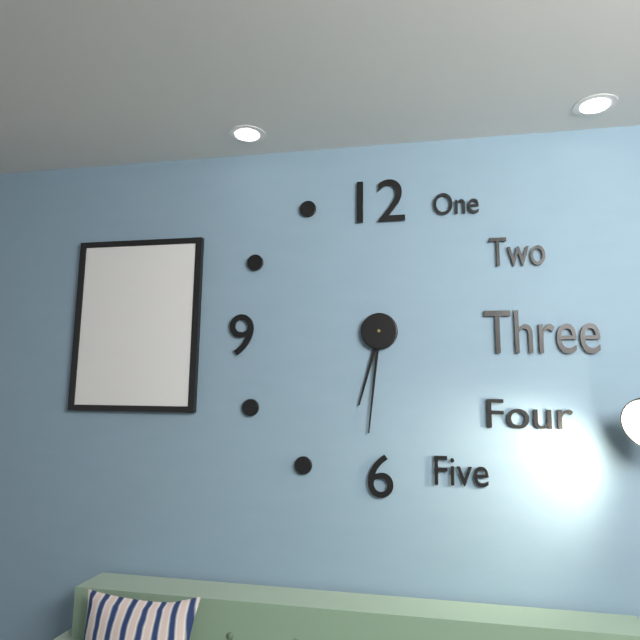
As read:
6:31
